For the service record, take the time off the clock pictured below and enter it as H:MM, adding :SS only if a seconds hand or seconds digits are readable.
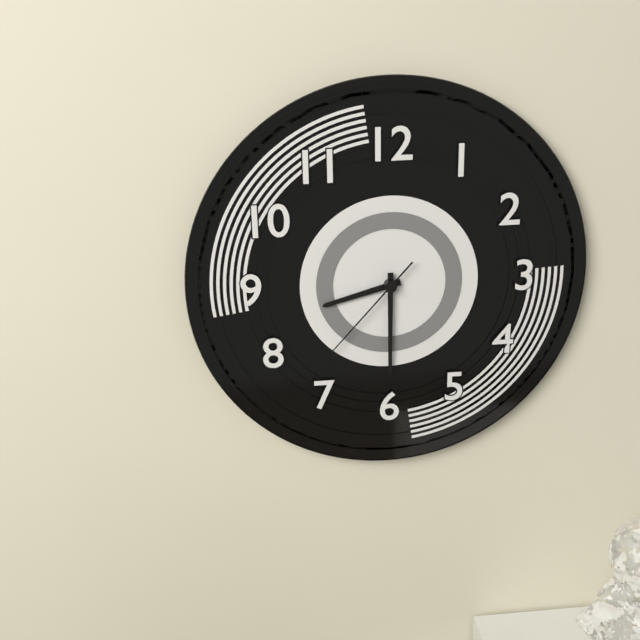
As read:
8:30:37
